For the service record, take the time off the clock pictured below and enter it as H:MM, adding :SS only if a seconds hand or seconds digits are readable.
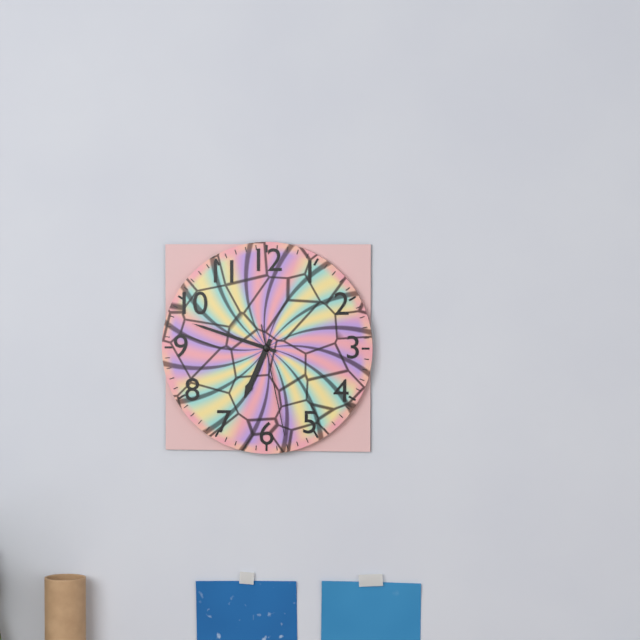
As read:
6:48:28
